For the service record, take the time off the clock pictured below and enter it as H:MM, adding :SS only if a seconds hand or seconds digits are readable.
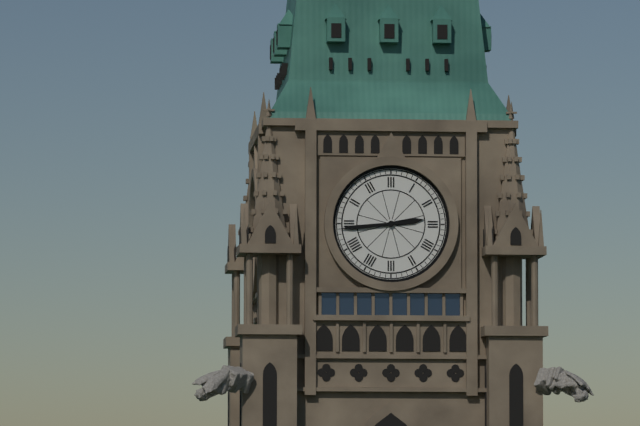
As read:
2:44
